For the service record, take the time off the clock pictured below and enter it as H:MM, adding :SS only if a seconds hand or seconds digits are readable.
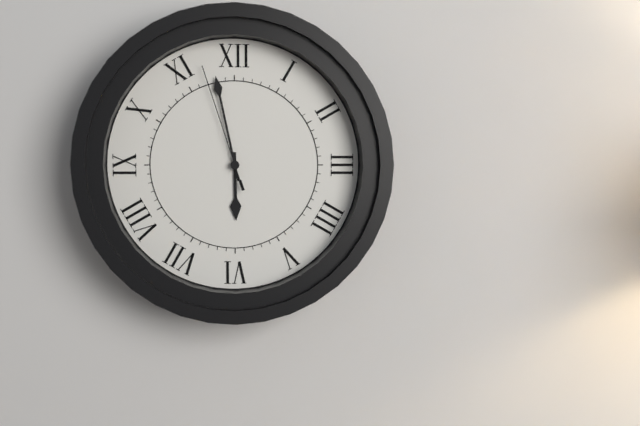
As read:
5:58:57
